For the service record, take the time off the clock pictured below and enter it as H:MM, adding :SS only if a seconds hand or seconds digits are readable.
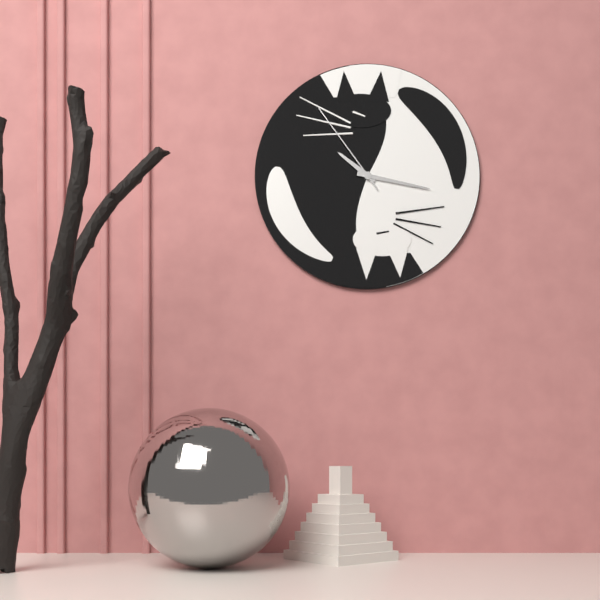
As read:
10:17:54
